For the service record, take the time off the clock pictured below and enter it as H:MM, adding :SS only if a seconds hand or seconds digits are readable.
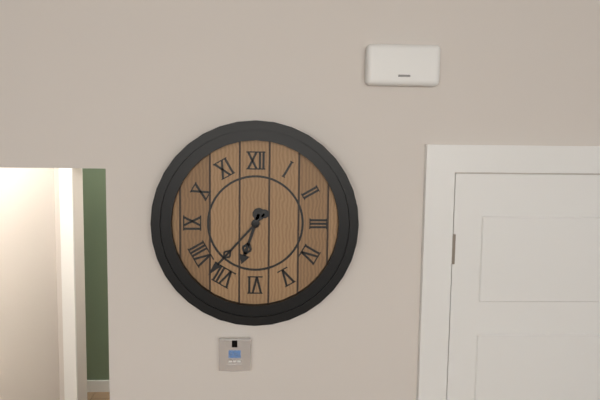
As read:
6:37
